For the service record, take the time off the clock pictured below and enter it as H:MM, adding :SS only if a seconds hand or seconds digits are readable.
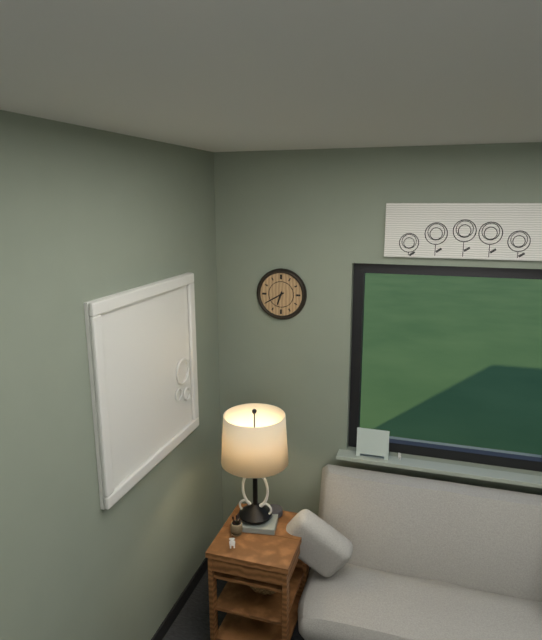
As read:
6:40
